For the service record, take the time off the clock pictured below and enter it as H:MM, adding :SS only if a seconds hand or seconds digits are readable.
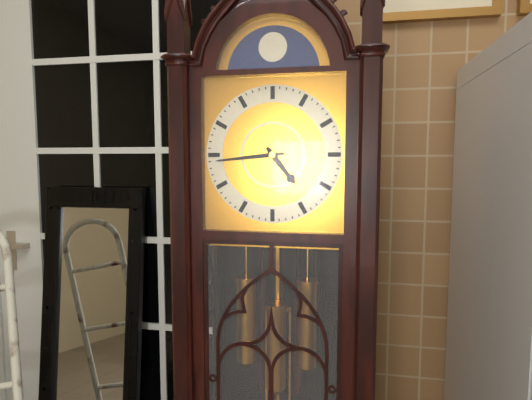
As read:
4:44
